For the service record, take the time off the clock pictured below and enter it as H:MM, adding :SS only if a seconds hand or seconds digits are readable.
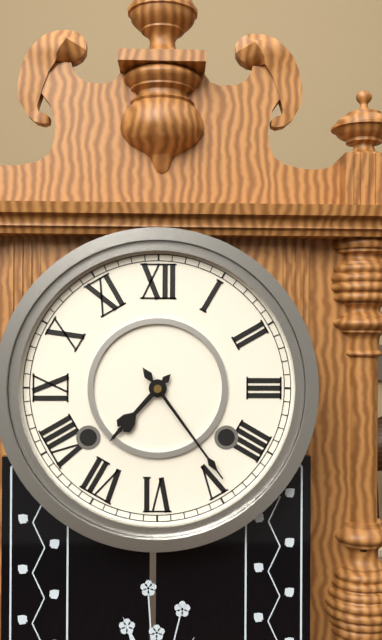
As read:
7:24
